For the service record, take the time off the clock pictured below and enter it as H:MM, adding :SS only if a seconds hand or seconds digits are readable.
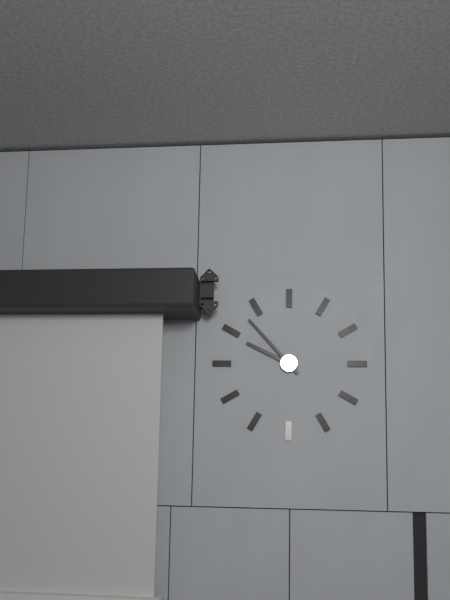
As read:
9:53
